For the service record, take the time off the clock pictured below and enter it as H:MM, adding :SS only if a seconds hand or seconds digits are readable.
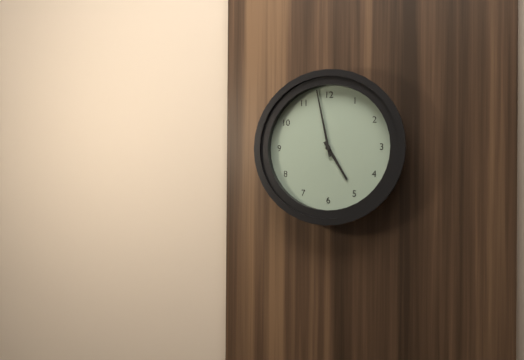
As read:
4:58
